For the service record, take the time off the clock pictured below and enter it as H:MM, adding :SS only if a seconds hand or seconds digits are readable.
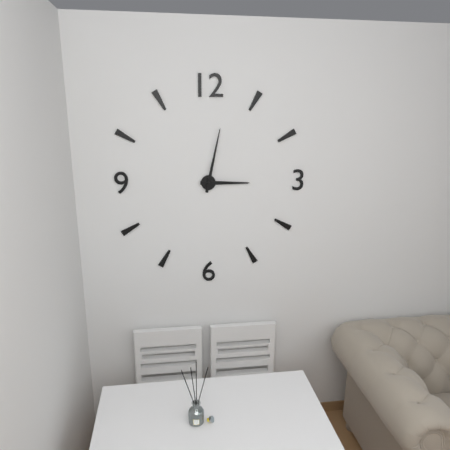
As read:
3:02
